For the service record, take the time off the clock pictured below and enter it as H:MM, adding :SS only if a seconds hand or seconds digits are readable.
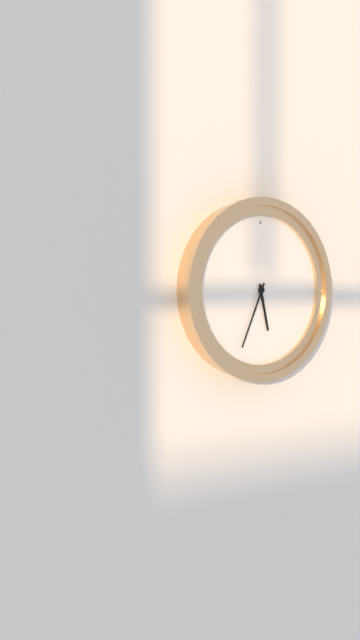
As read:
5:34
